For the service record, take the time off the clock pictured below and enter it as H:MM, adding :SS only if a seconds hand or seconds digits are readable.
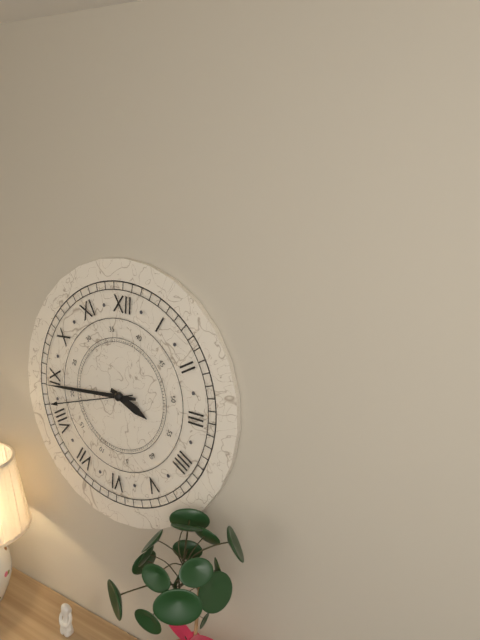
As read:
3:44:42
